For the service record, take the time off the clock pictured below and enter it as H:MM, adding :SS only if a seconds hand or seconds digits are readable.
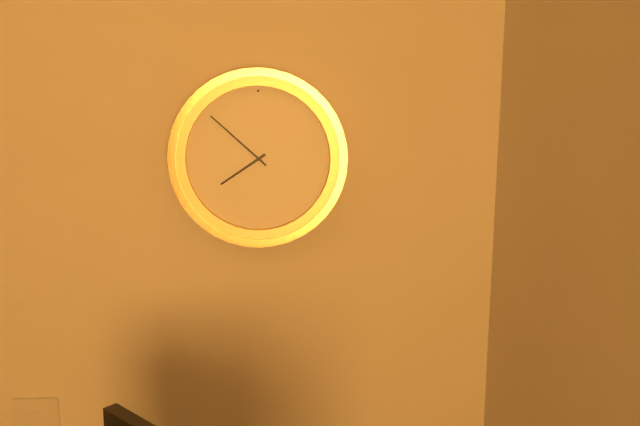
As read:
7:52
